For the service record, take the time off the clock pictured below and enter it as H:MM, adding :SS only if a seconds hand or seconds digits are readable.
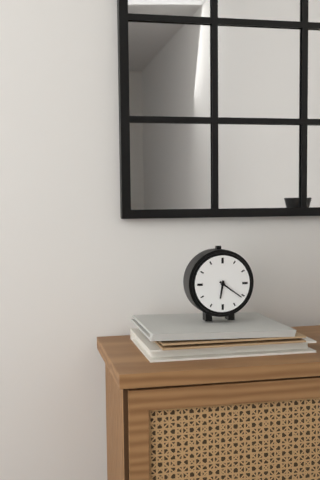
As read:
6:21
